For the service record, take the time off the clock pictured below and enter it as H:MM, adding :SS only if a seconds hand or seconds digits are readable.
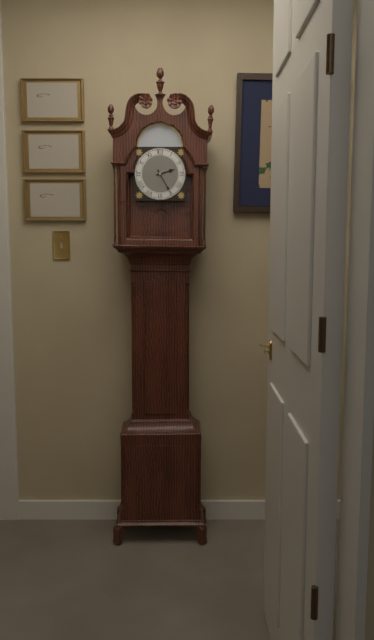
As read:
2:25
